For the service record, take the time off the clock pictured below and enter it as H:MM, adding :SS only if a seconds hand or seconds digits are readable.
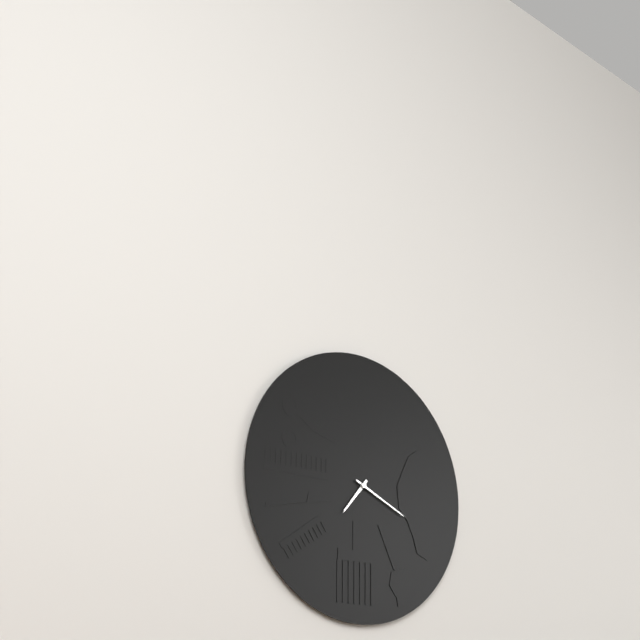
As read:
7:19
